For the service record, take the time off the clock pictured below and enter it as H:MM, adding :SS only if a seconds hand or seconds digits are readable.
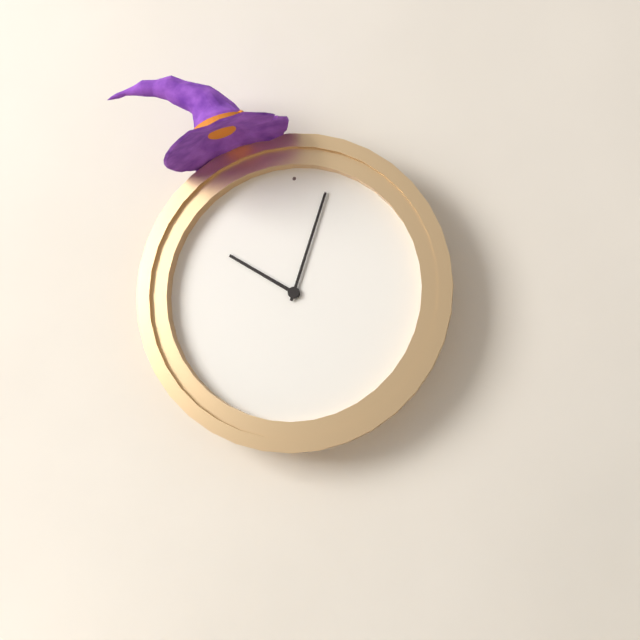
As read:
10:03
